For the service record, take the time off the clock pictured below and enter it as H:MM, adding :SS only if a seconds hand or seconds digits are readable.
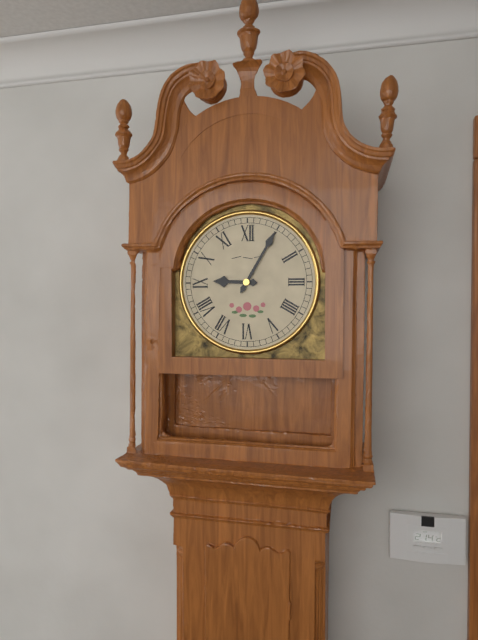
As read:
9:05
